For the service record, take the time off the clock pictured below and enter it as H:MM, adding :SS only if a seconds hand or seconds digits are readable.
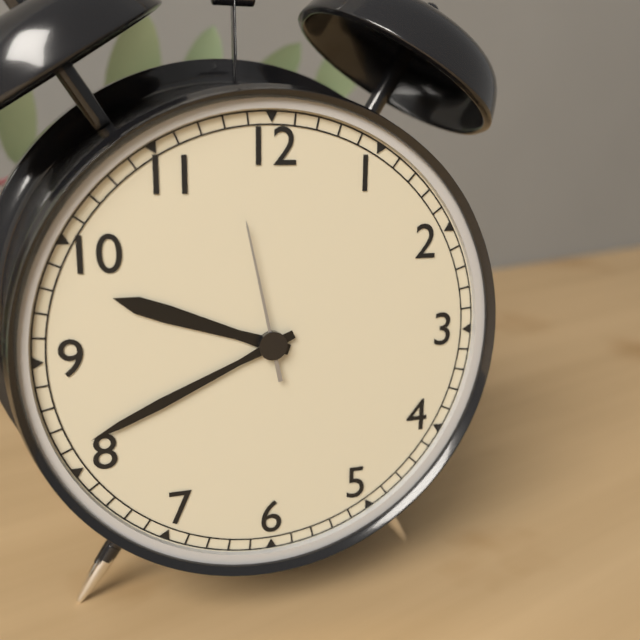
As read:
9:41:58
